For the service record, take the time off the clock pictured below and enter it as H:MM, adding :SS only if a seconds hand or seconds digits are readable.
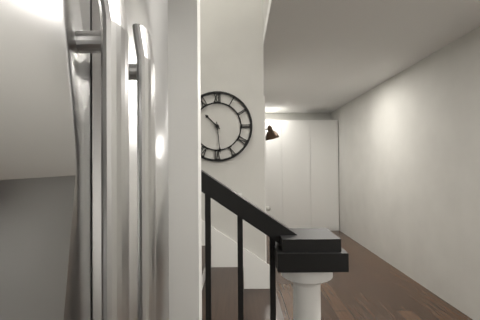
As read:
10:29
